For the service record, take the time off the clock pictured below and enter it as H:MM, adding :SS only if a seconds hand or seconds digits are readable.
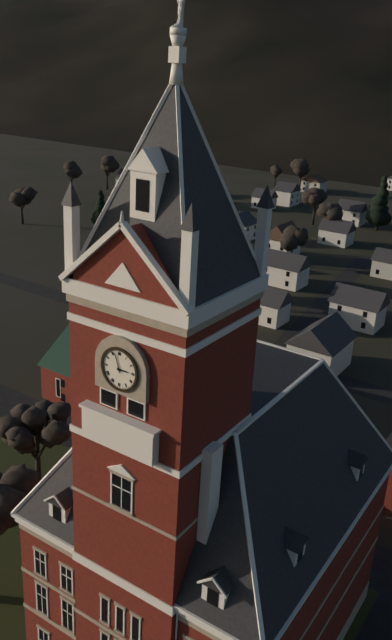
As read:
2:57
